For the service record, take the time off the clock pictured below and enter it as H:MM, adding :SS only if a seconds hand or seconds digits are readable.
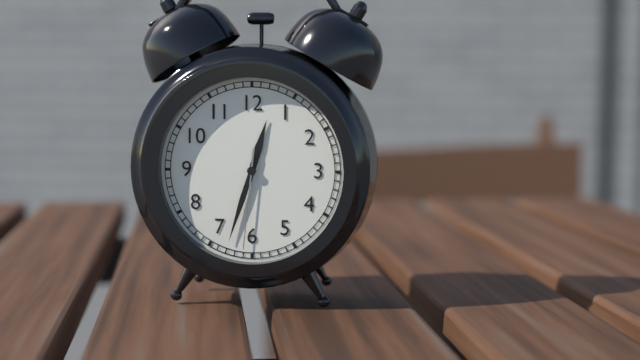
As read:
12:33:31
